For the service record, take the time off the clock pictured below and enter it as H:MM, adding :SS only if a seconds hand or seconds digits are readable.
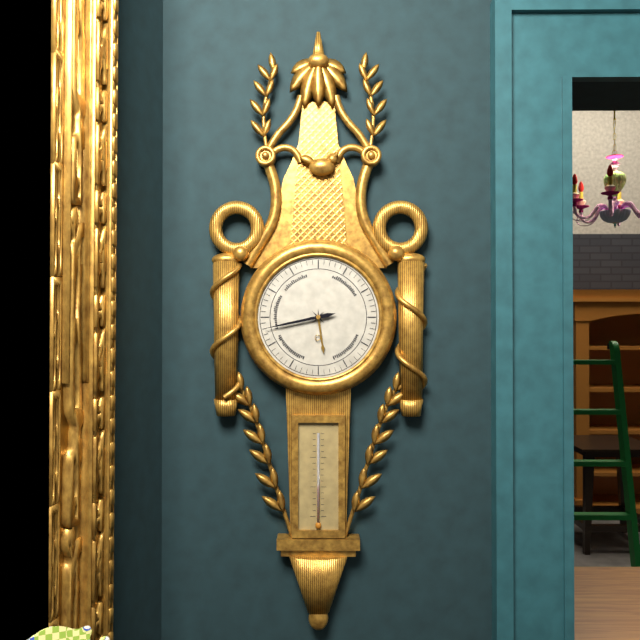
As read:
5:43
